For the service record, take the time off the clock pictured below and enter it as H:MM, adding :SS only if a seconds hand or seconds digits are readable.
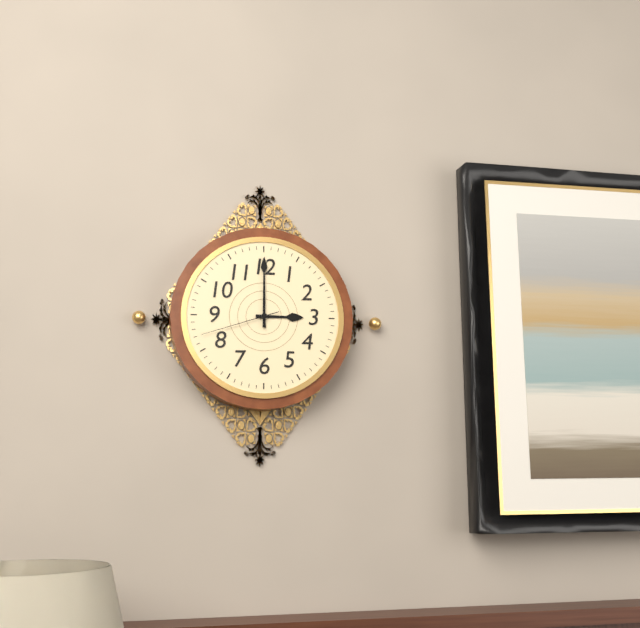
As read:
3:00:42
